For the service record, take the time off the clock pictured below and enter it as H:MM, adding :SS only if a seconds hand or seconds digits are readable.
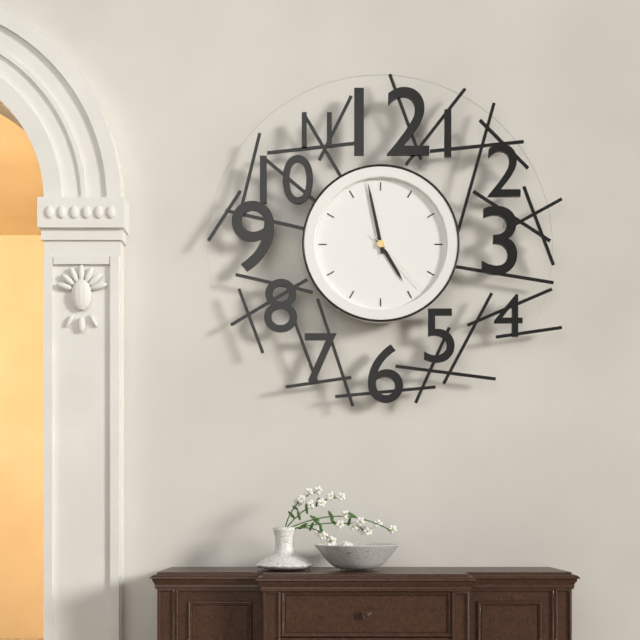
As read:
4:58:23
